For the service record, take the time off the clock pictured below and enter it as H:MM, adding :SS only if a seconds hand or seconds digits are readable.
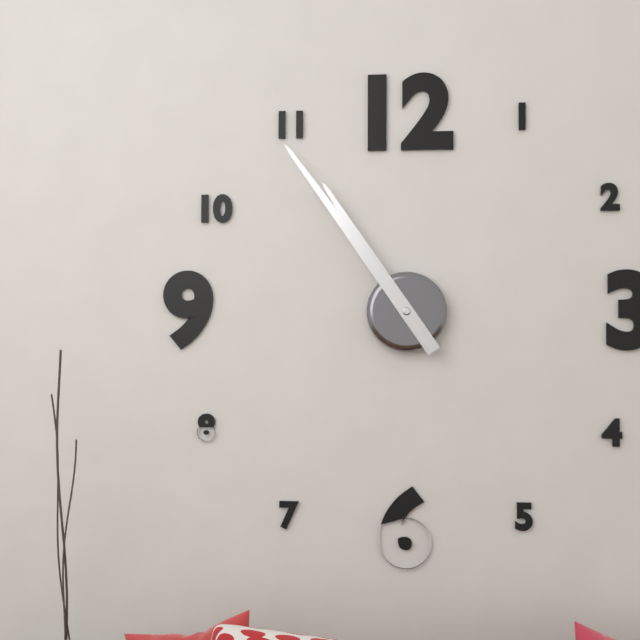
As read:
10:54
